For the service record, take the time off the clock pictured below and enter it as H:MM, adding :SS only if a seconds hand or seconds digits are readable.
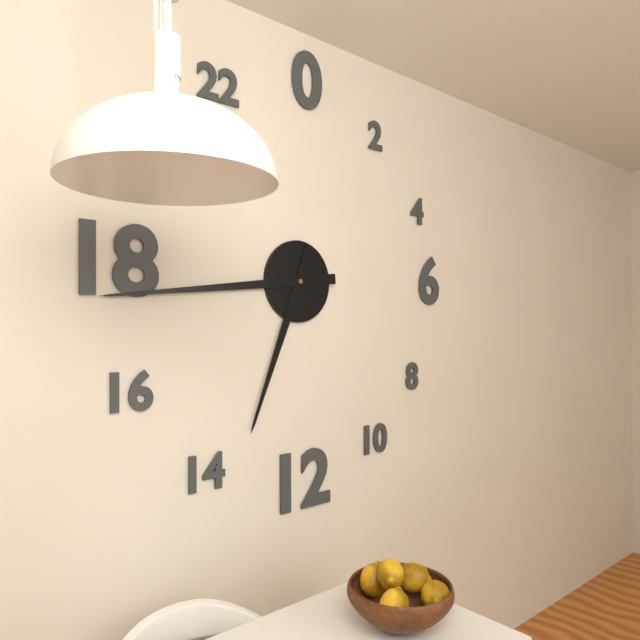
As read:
6:44
